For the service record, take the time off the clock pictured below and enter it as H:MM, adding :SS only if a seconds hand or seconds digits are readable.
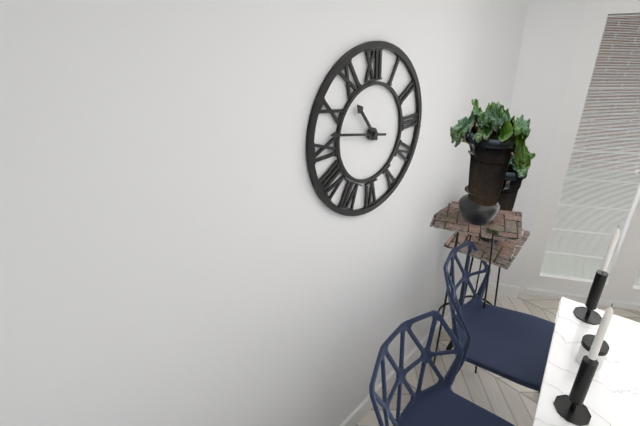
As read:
10:47
